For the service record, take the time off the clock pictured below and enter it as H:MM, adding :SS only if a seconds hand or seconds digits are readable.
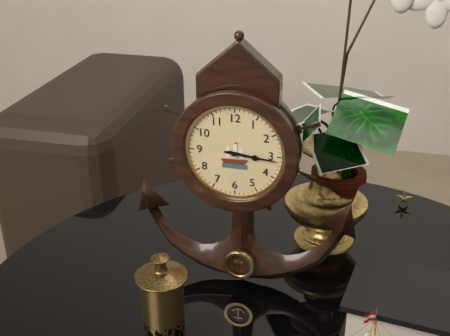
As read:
3:16
